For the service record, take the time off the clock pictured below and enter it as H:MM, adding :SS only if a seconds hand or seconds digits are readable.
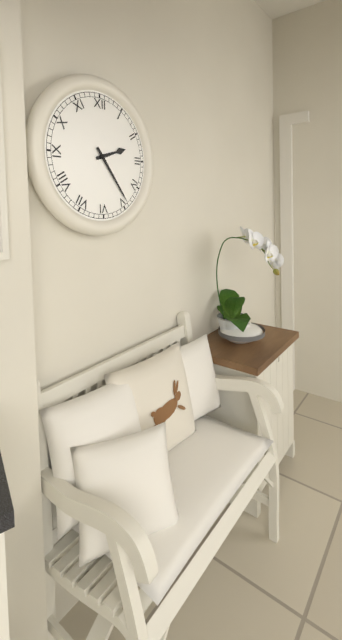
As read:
2:24
